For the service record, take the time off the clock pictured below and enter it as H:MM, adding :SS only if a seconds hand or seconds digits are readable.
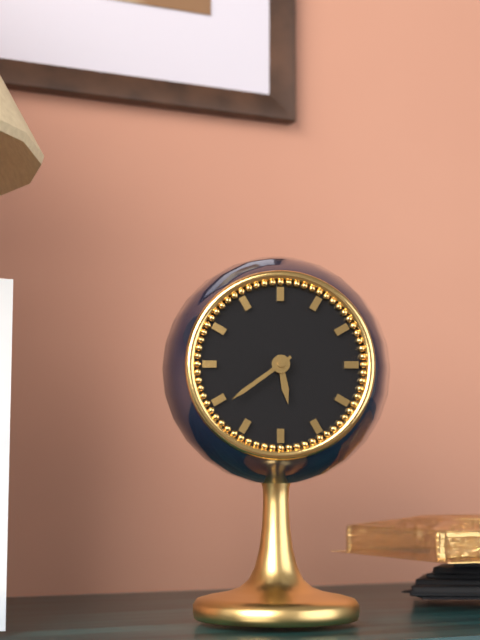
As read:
5:39
